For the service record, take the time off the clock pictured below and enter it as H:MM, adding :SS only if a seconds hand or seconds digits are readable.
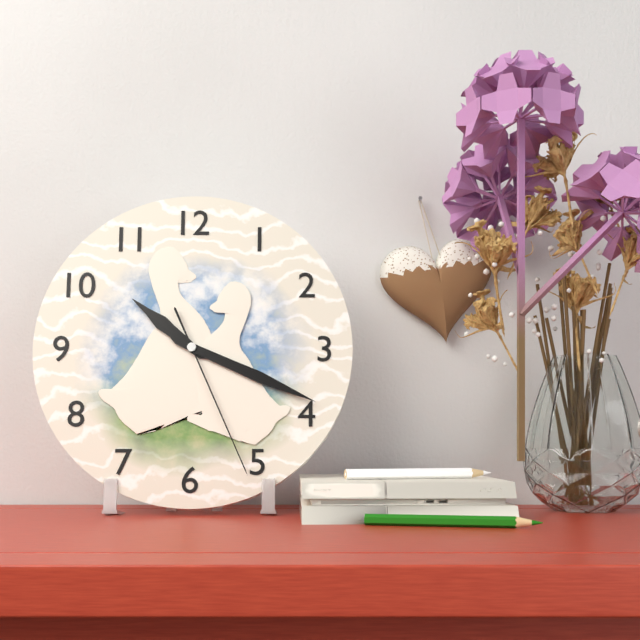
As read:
10:19:26
